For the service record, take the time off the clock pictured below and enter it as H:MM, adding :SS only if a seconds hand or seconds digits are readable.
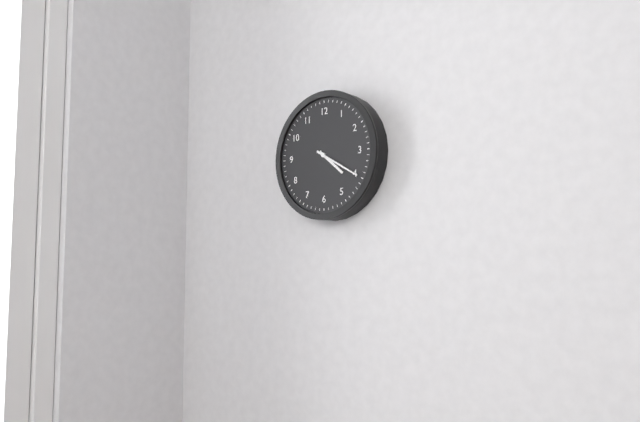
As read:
4:20
